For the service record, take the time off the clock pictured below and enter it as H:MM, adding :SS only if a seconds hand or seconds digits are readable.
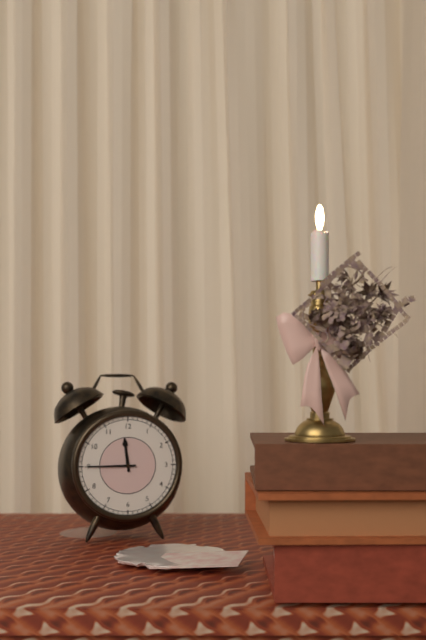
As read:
11:45
